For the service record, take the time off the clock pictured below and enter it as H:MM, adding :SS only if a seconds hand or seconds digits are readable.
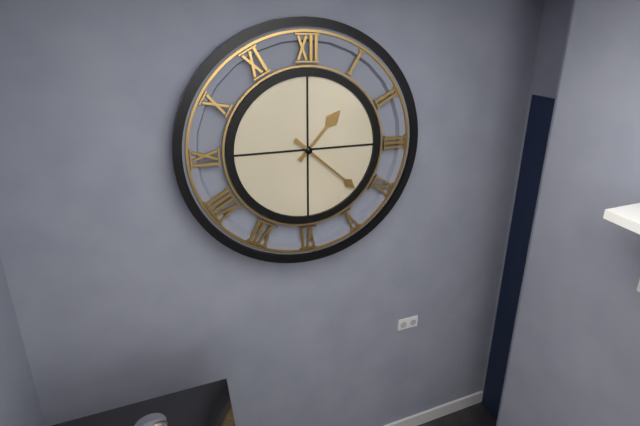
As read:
1:22
